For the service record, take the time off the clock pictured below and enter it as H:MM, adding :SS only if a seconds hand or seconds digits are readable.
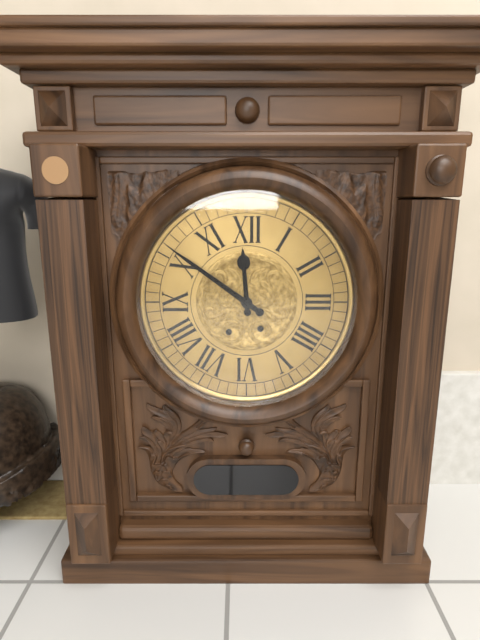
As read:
11:51
